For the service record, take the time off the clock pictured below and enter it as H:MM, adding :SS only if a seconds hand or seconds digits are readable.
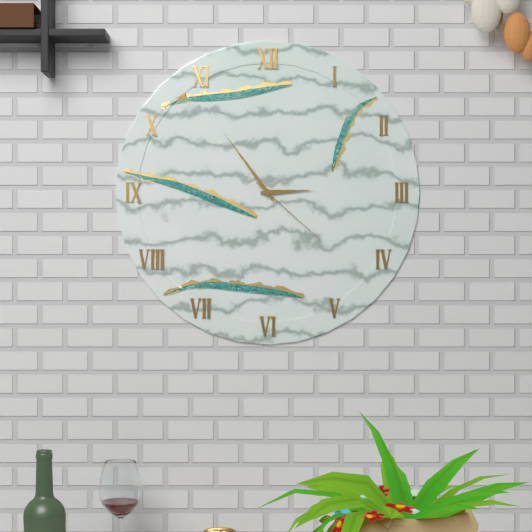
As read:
2:54:22
